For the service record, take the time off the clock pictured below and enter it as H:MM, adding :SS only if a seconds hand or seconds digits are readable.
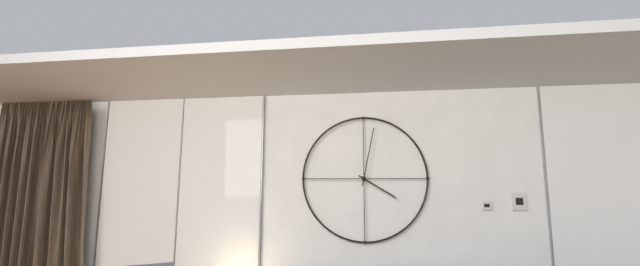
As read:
4:02
